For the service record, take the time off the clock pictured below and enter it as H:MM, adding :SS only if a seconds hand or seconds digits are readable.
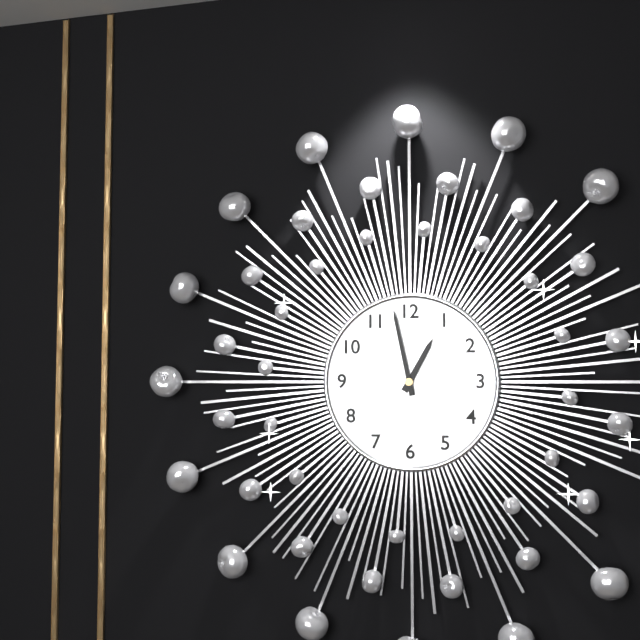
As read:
12:58
